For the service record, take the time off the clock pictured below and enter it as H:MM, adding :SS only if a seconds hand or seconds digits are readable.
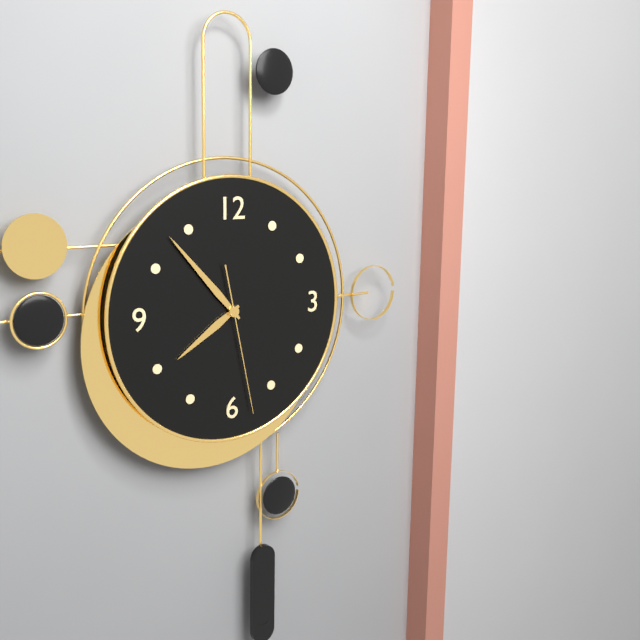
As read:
7:53:28
